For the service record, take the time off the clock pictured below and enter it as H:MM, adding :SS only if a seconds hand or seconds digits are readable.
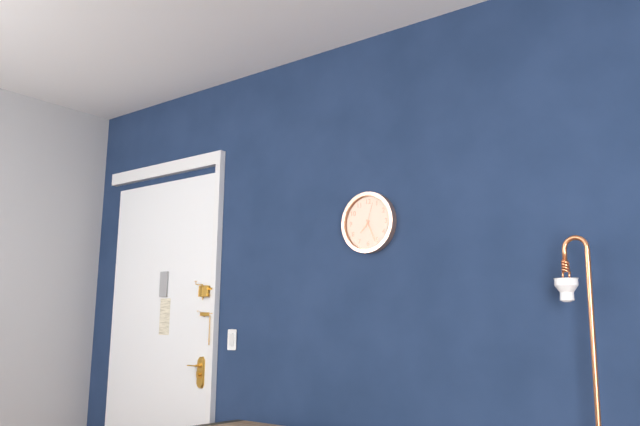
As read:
7:26
